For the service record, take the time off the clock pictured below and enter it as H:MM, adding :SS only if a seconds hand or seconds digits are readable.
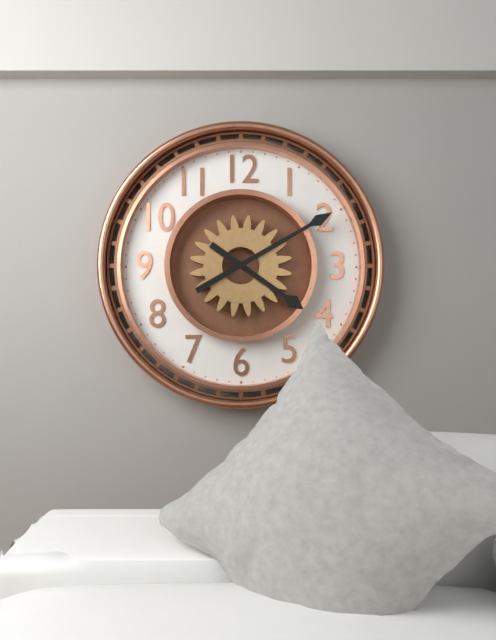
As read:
4:10
